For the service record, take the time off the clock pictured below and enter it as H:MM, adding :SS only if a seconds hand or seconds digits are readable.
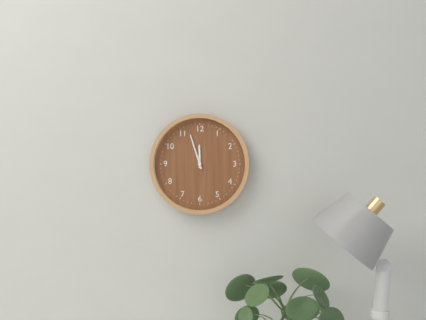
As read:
11:57
